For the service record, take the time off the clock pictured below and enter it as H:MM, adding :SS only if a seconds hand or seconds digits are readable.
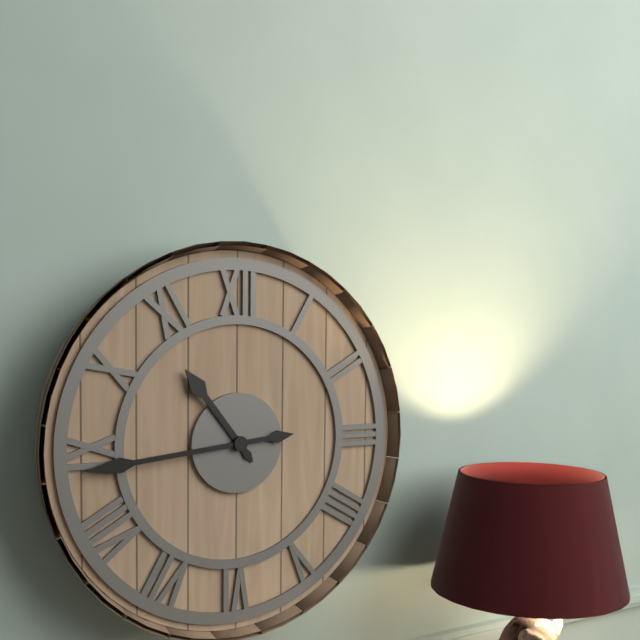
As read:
10:44
